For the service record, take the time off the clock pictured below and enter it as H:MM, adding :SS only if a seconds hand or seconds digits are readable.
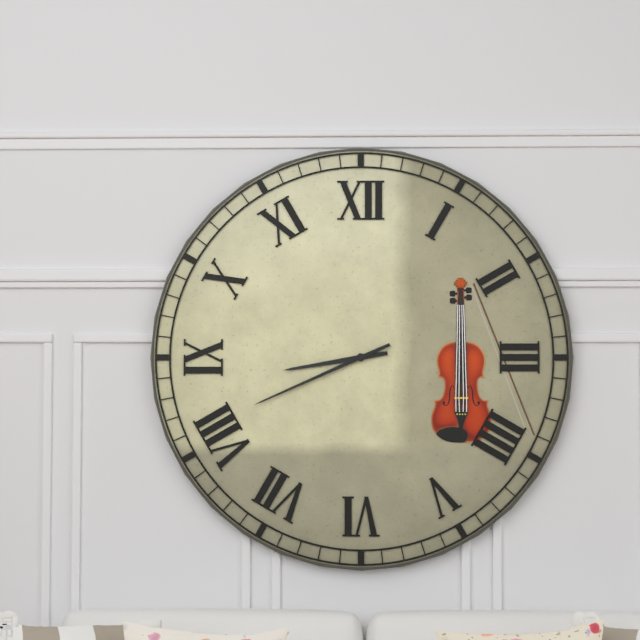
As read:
8:41
